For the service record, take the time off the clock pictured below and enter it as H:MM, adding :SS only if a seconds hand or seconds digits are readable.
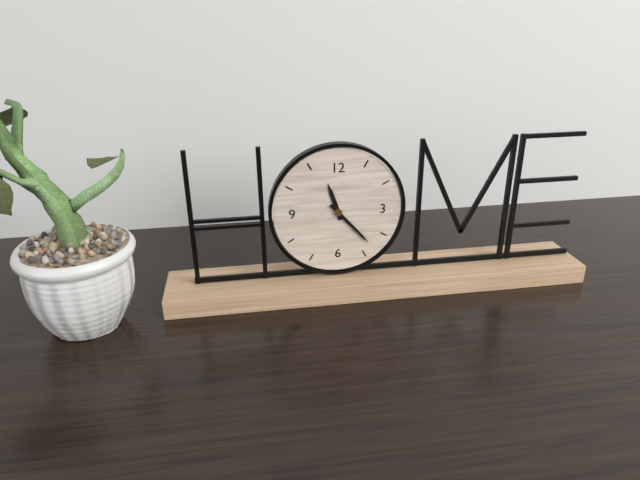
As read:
11:23
